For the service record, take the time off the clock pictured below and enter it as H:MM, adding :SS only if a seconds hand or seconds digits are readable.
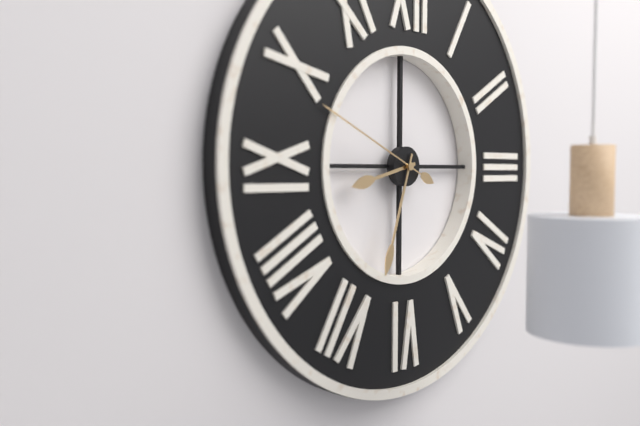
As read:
8:33:49
